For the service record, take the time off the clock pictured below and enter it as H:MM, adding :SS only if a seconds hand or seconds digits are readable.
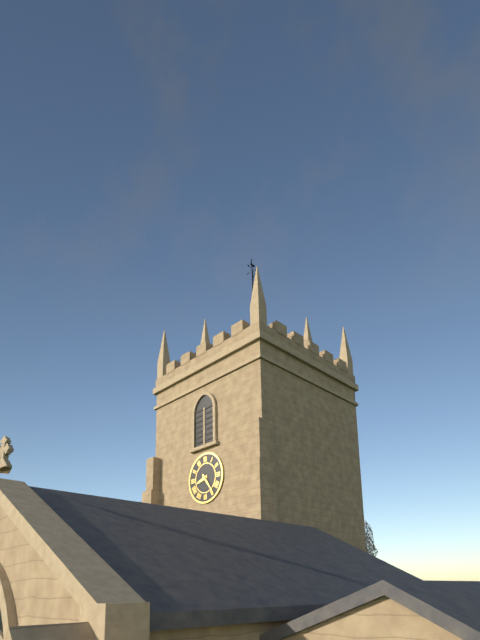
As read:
8:24
